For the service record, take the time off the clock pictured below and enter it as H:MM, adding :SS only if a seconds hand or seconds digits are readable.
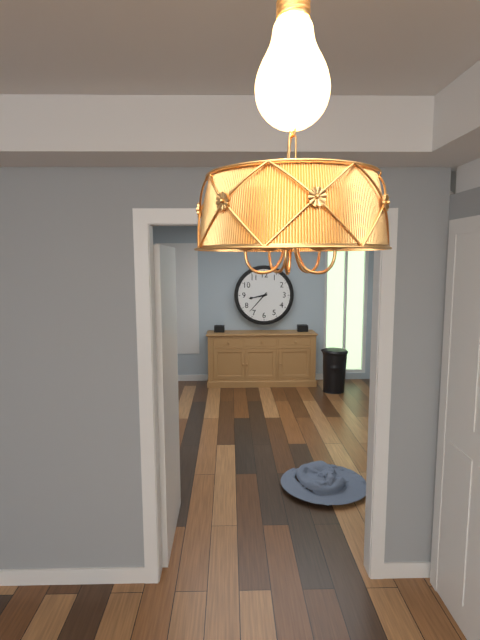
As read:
8:37
